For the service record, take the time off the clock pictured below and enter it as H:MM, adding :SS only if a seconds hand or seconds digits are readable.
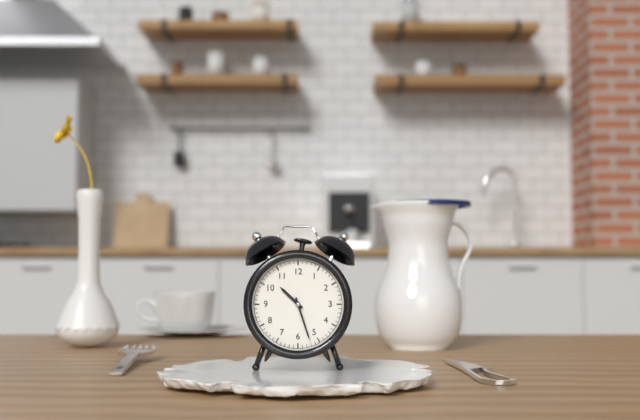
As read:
10:27
